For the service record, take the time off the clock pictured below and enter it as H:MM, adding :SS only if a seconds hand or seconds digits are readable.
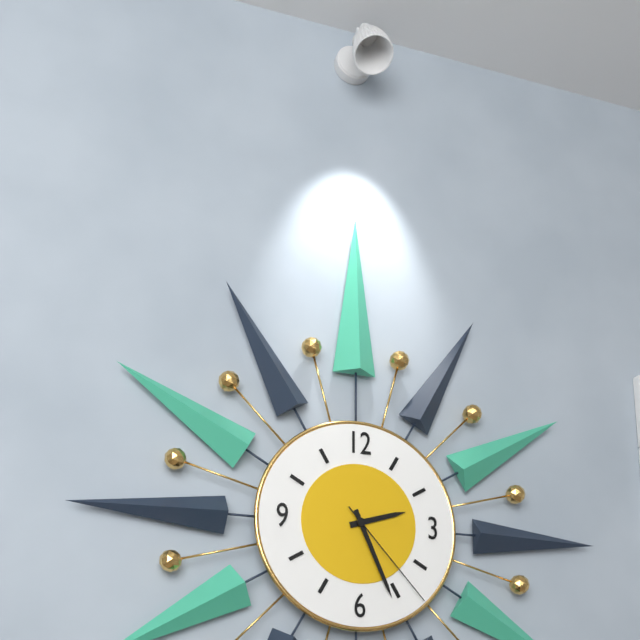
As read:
2:26:23
